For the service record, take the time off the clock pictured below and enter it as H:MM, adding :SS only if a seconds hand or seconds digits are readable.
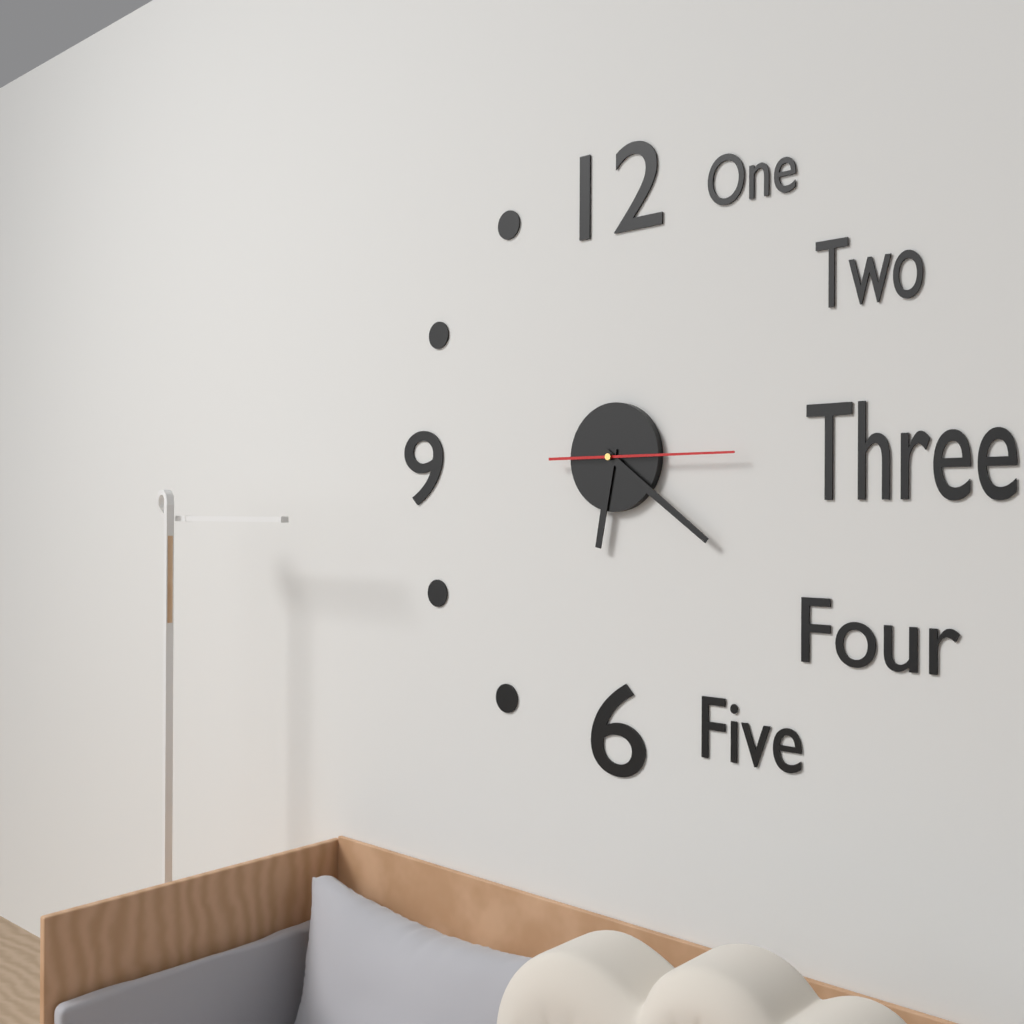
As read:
6:21:15
